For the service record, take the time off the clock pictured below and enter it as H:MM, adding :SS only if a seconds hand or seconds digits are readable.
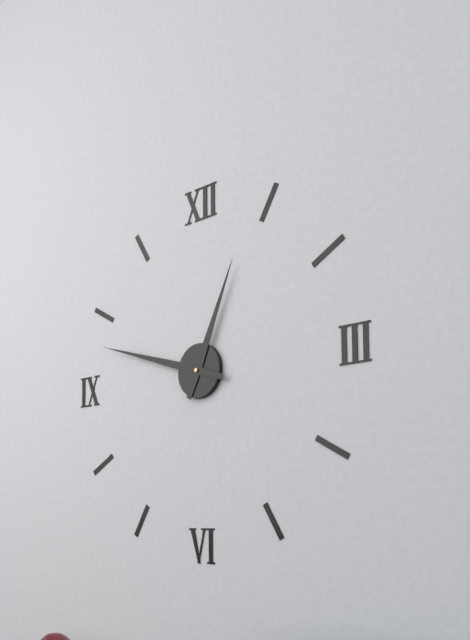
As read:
12:48
